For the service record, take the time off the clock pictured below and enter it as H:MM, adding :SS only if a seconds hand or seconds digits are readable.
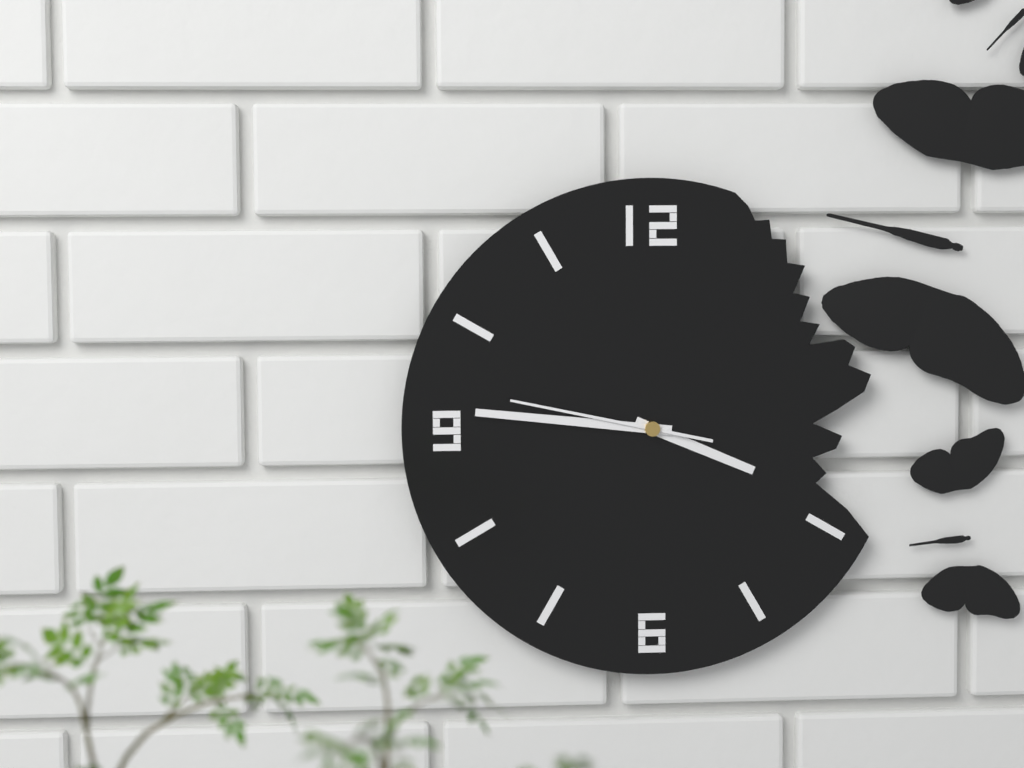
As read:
3:46:47
